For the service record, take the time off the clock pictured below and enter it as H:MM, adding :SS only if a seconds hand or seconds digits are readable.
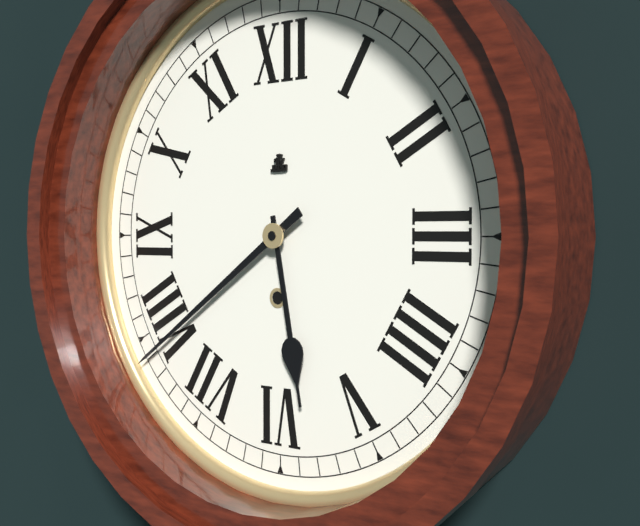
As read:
5:39
